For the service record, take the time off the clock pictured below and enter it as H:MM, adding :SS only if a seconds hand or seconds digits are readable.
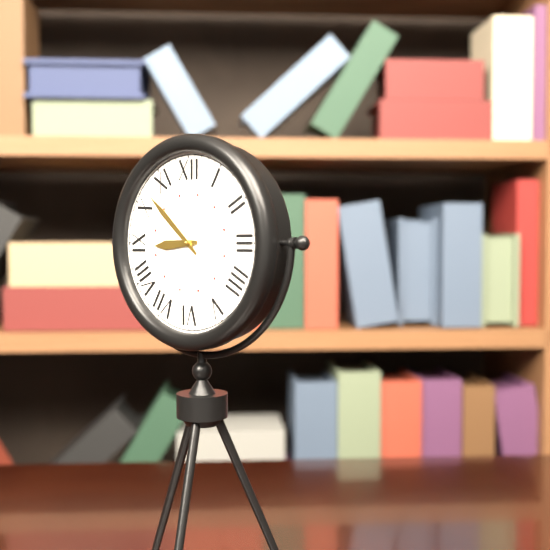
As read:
8:52
